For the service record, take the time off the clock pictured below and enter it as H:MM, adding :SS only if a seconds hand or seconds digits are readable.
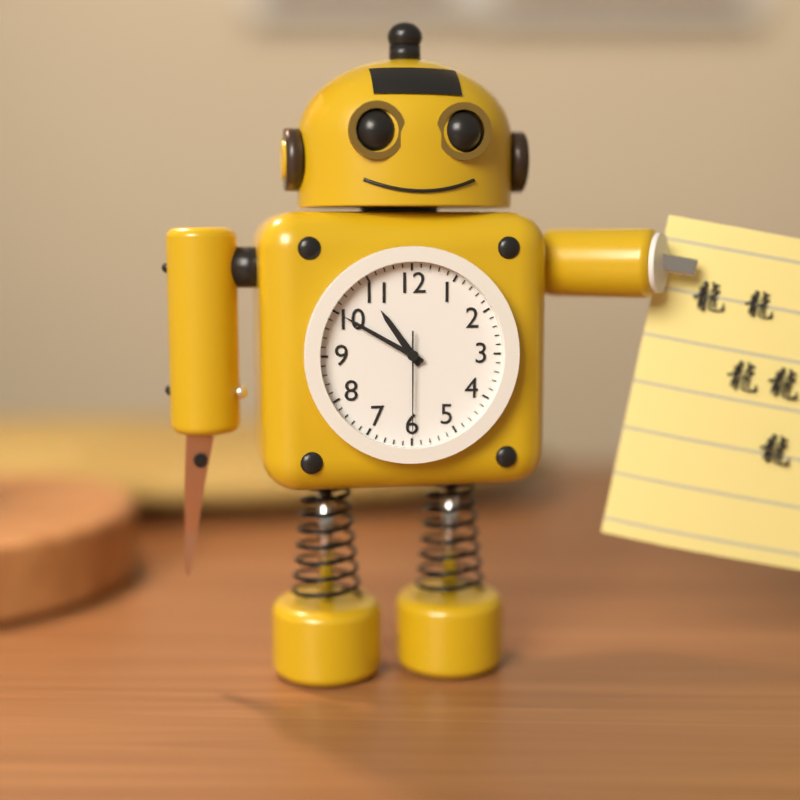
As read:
10:50:30
